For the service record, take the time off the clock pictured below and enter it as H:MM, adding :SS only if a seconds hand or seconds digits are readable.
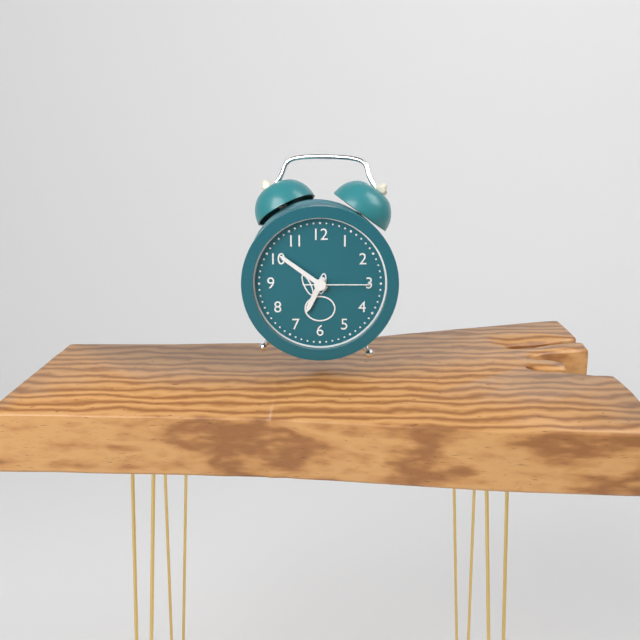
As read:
6:51:15
